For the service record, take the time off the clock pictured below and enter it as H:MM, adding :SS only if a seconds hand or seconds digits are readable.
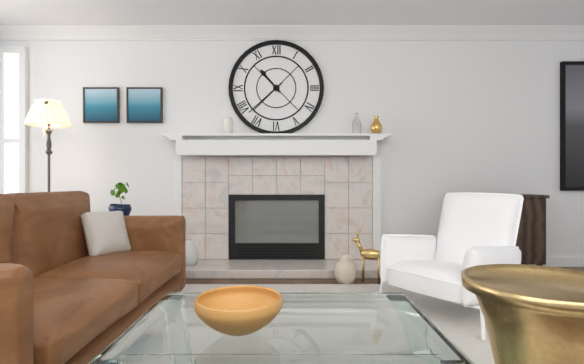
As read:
10:38
